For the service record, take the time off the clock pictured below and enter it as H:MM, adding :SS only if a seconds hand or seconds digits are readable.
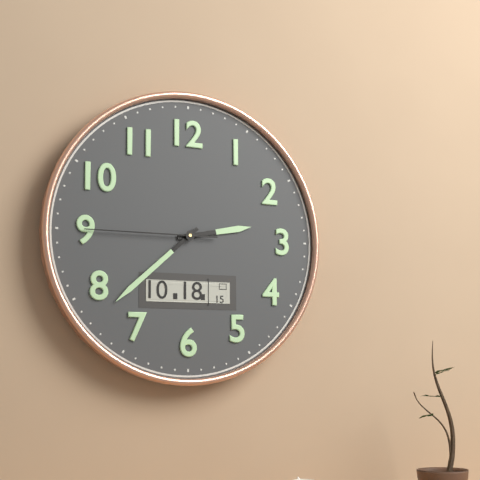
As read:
2:38:45
